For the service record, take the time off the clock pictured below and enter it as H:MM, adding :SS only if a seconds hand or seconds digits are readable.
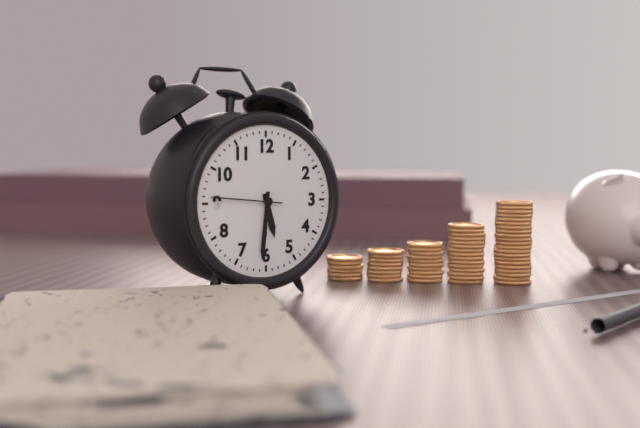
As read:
5:31:46
